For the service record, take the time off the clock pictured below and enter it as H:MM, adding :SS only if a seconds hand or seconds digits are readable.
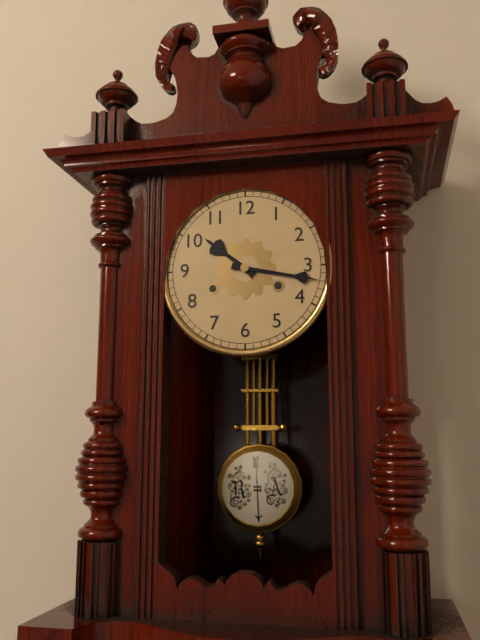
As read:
10:17
